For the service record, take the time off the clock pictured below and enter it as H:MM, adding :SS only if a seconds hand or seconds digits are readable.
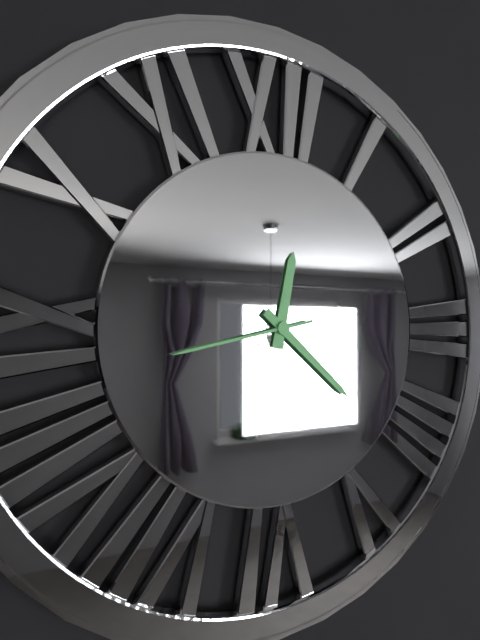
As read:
12:22:43
